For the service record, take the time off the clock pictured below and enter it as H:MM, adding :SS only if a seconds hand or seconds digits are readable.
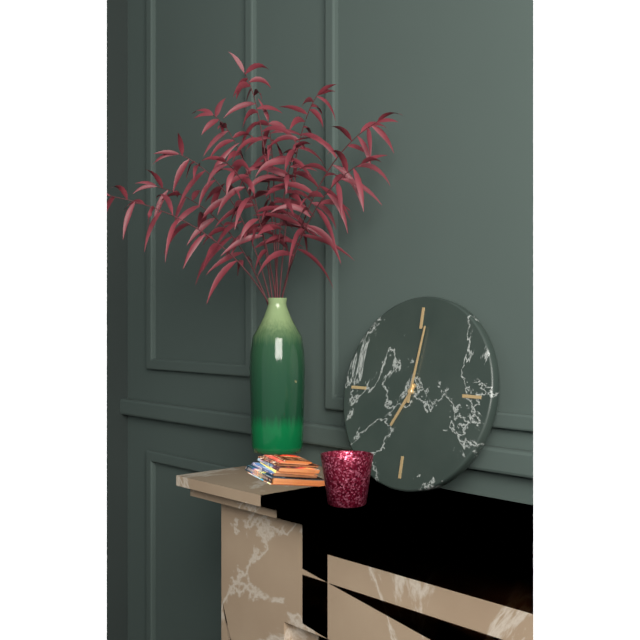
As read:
7:01
